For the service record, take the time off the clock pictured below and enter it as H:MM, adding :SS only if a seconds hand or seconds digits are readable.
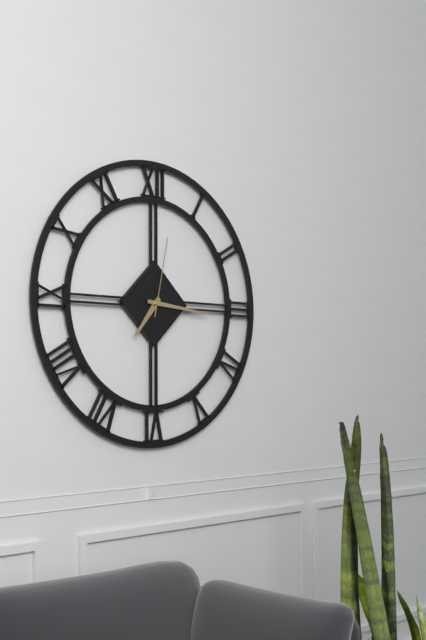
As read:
7:16:02
